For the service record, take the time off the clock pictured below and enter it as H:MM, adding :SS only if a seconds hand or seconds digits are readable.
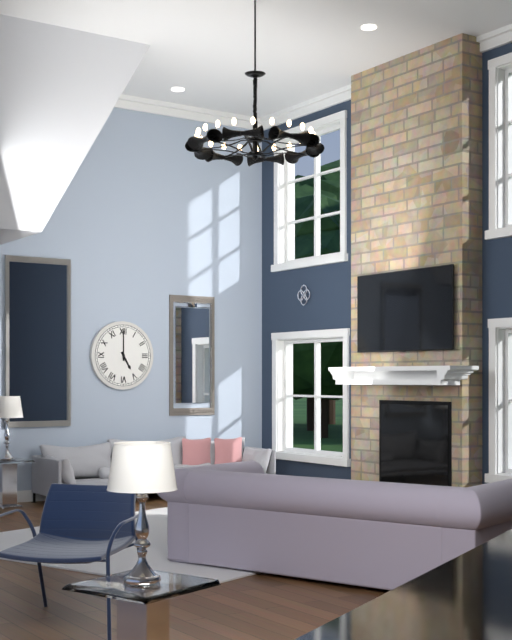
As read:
5:00
